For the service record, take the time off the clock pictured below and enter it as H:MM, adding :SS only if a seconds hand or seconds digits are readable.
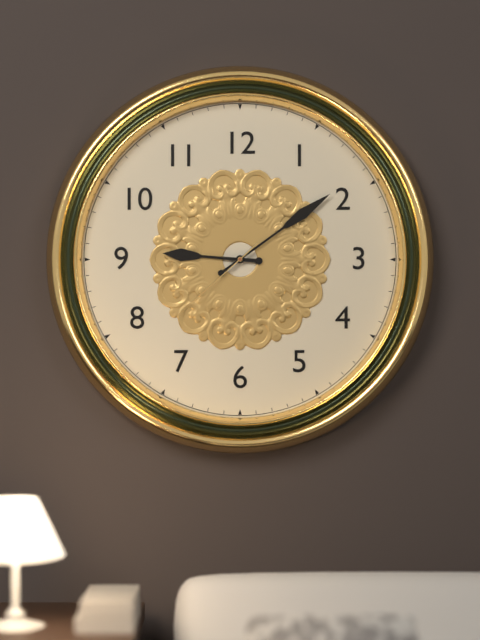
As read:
9:09:38
